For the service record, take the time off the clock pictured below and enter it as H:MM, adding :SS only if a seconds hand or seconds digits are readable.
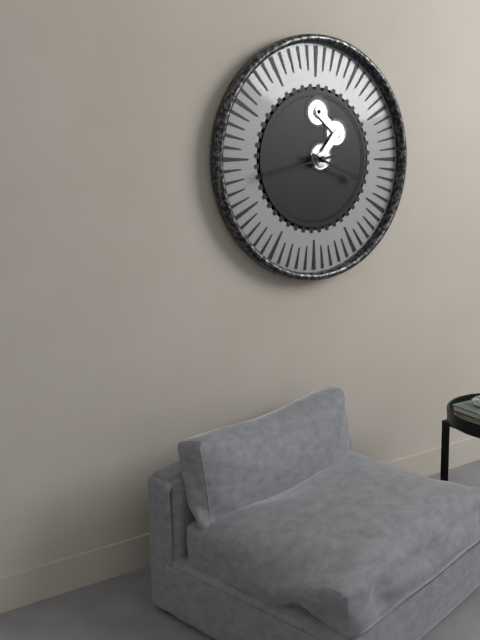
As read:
3:43
